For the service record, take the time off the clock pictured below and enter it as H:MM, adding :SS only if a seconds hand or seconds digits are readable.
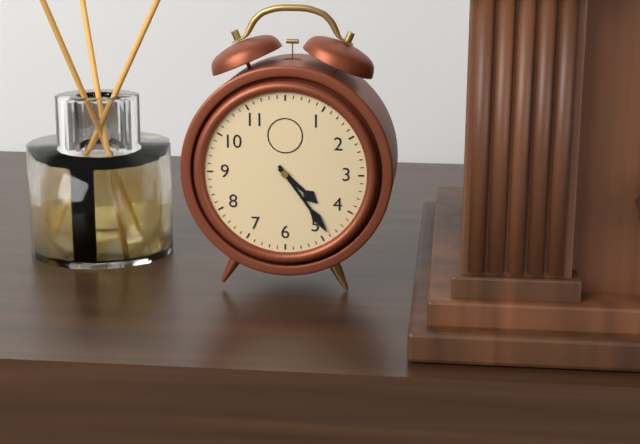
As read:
4:24
